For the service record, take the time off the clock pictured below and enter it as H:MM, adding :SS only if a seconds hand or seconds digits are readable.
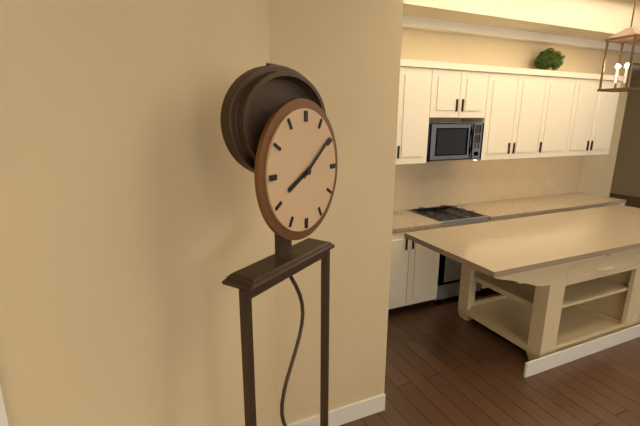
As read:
8:09
